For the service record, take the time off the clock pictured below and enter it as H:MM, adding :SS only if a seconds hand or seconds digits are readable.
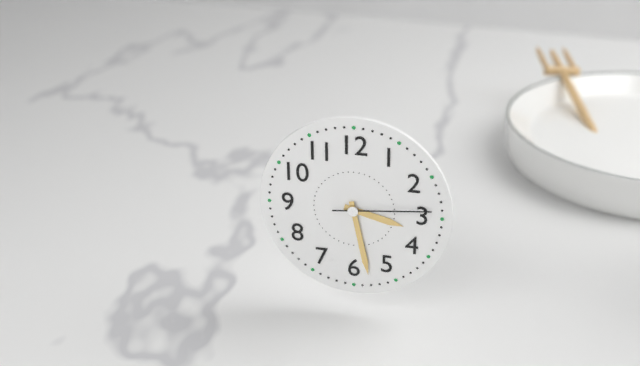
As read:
3:28:14
